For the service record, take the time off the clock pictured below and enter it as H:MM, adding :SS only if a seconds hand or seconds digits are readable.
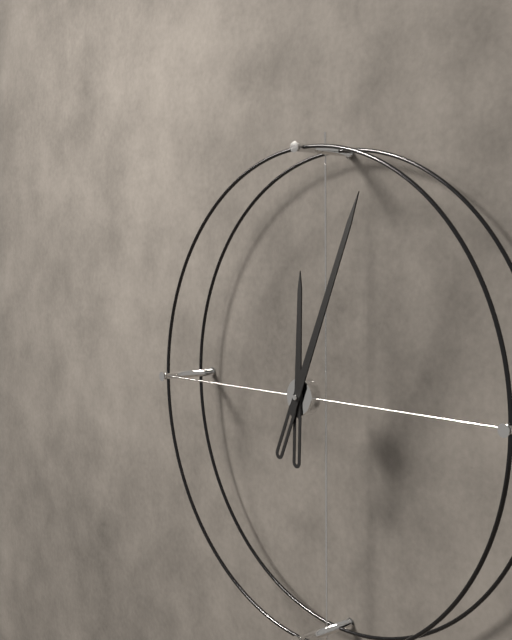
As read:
12:04
